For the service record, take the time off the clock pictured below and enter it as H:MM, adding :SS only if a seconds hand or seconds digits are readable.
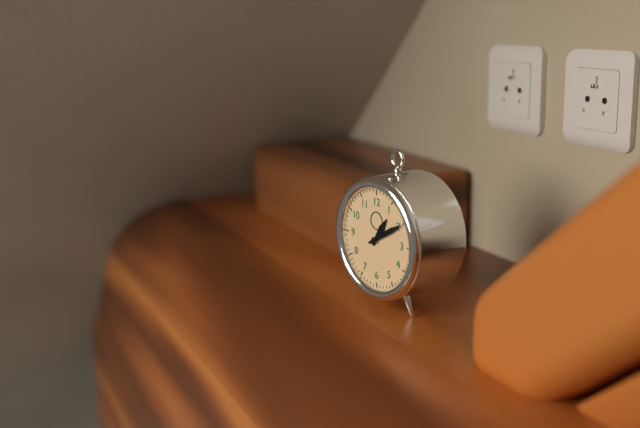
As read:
1:10
